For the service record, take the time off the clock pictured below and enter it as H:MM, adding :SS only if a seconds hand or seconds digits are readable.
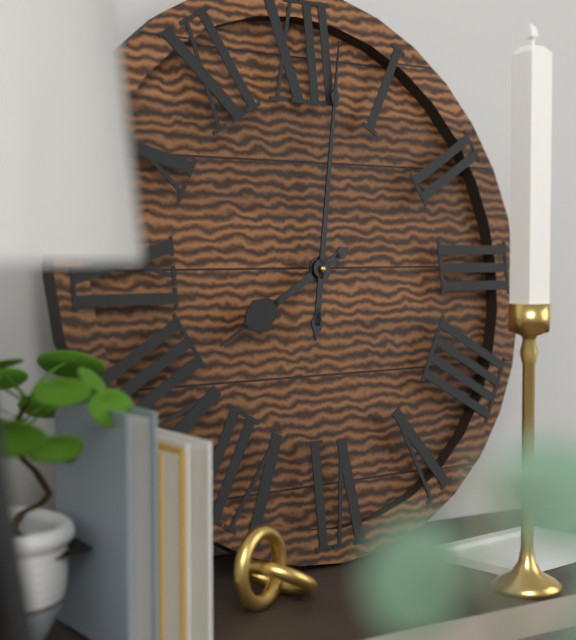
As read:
8:02
